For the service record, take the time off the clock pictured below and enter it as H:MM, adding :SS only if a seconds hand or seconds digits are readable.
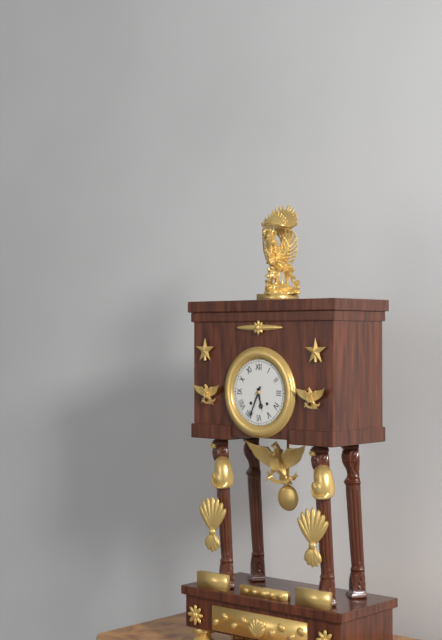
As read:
5:34
